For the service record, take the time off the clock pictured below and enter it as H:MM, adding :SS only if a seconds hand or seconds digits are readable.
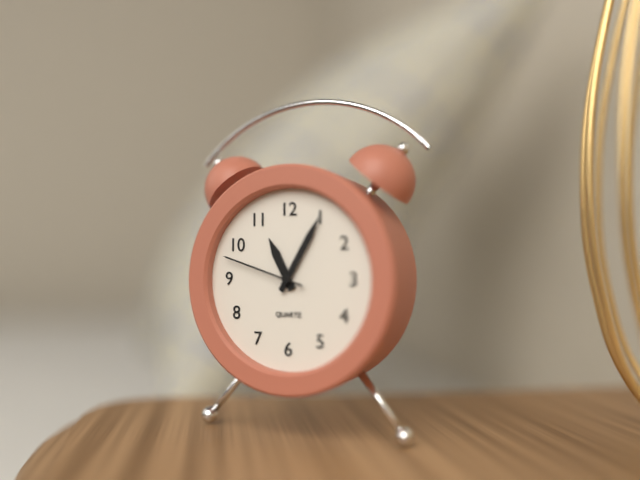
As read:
11:05:48
